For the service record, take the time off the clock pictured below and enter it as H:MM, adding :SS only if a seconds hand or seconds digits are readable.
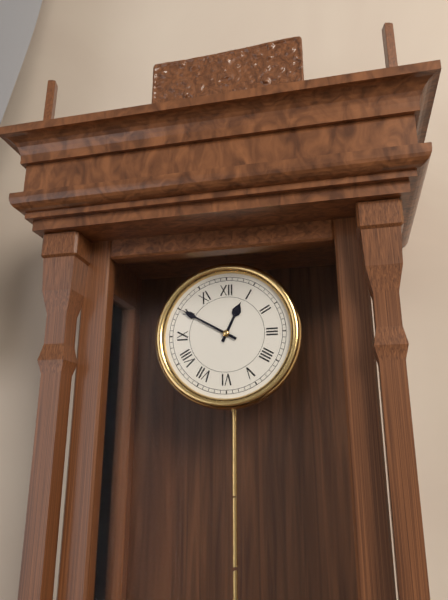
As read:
12:50
